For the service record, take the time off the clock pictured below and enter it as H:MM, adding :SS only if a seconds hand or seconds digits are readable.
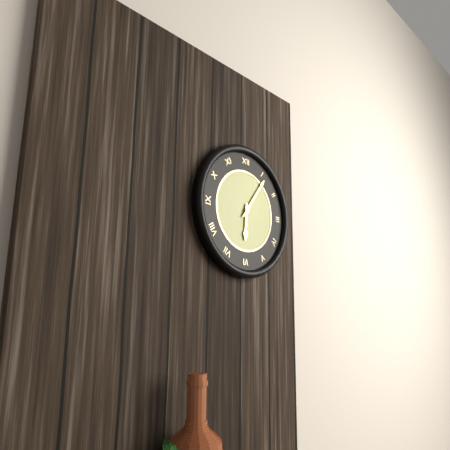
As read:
6:06
